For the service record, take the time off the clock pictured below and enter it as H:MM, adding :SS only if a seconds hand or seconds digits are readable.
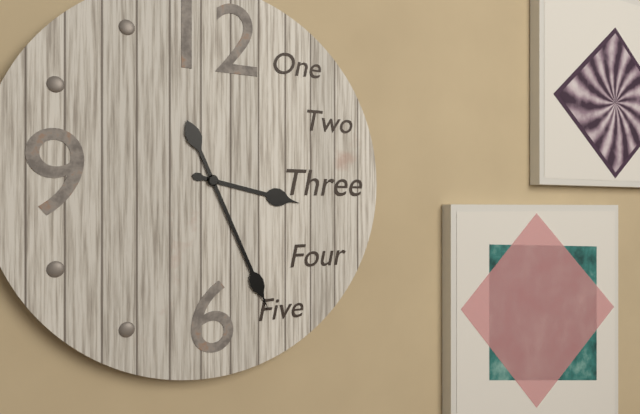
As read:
3:26
